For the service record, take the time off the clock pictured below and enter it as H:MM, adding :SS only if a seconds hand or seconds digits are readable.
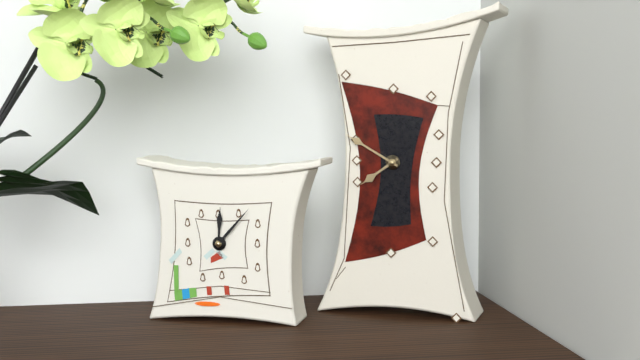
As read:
7:50
